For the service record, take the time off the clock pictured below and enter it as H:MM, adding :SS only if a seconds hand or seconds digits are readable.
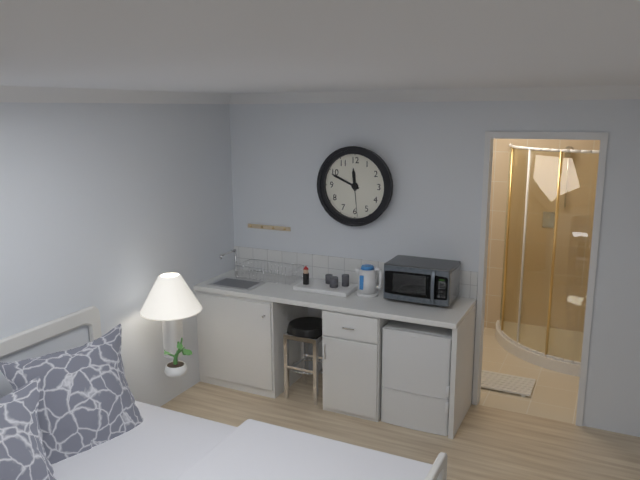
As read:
11:49
